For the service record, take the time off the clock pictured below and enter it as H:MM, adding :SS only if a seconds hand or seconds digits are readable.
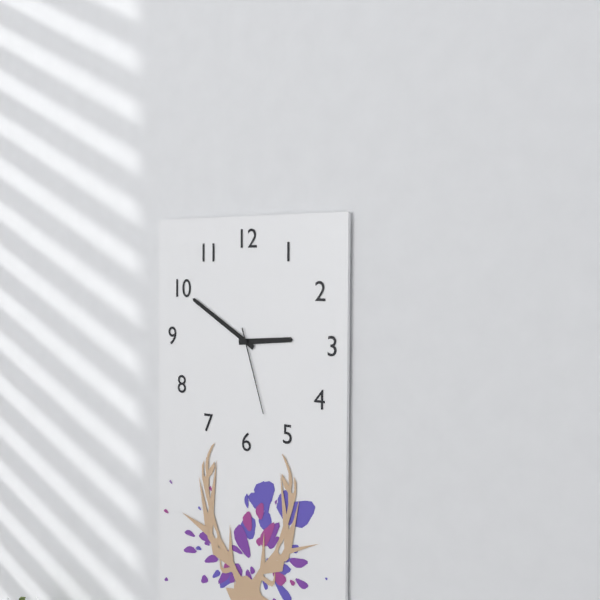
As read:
2:50:27
